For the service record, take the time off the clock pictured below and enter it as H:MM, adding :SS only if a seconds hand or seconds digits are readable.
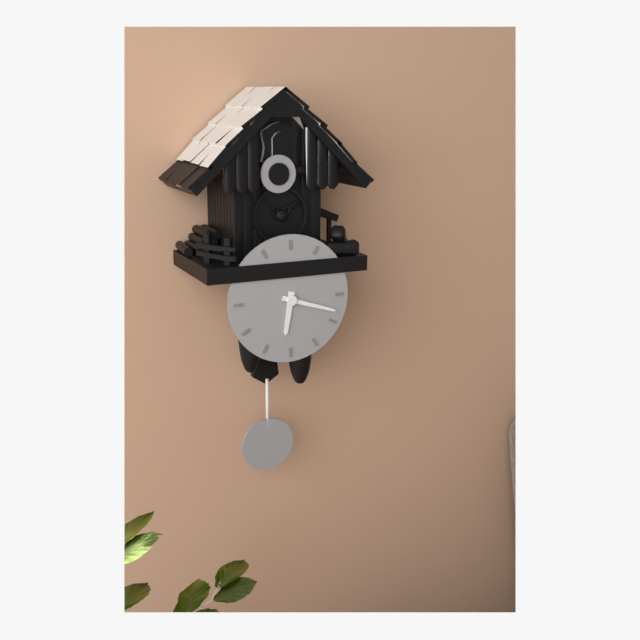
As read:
6:18
